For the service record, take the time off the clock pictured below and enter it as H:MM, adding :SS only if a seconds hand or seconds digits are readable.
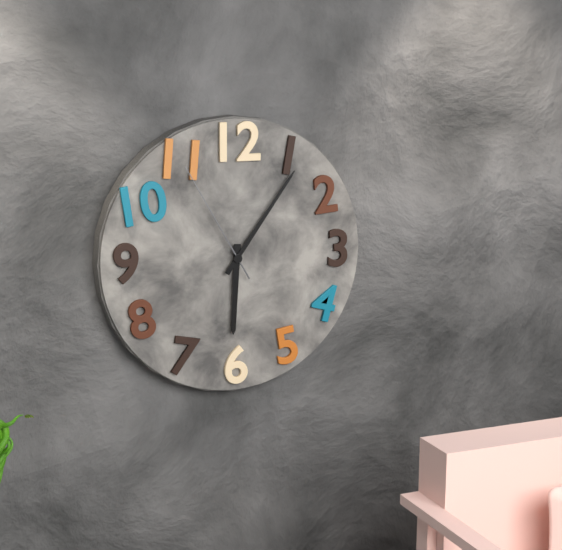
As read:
6:06:55
